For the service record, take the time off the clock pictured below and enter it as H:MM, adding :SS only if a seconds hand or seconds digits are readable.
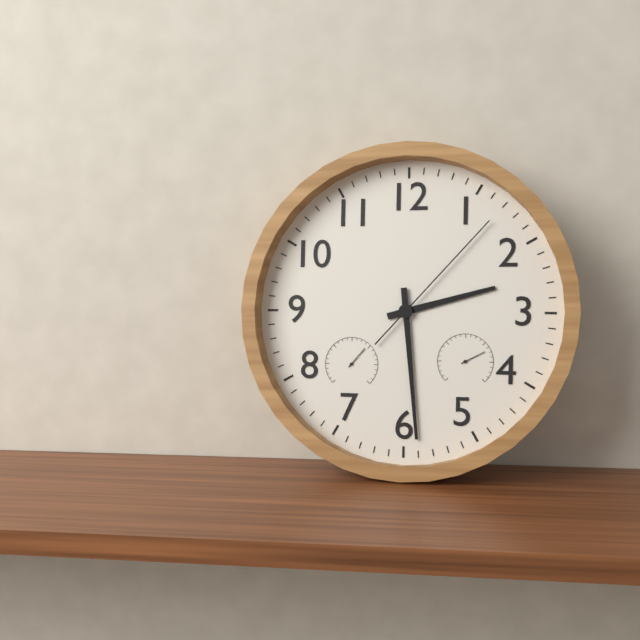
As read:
2:29:07
